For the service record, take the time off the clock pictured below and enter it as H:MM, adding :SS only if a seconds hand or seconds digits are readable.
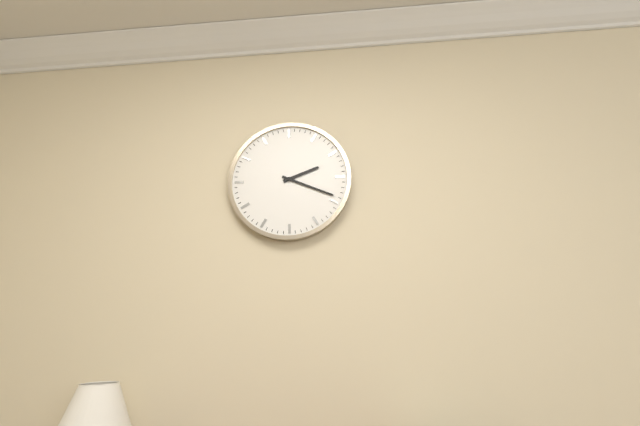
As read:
2:19
